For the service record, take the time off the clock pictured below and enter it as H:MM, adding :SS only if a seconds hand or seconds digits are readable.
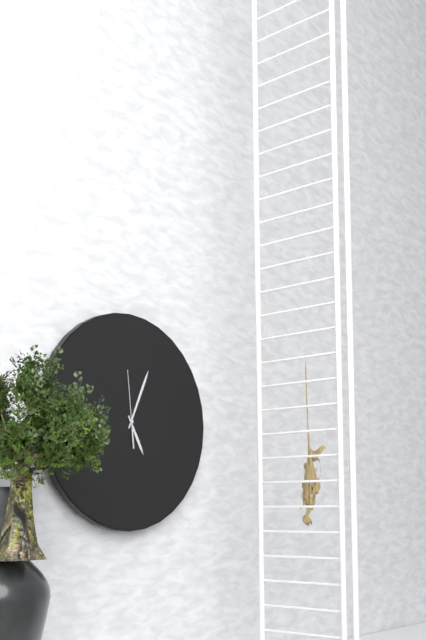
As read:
5:04:59
